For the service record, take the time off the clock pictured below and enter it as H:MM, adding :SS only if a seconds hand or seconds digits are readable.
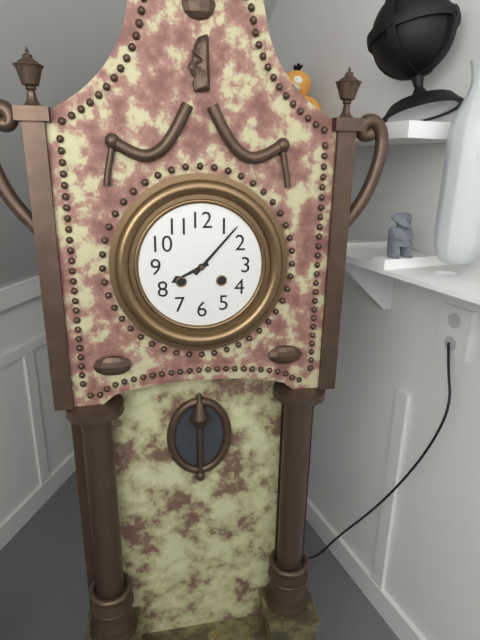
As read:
8:07
